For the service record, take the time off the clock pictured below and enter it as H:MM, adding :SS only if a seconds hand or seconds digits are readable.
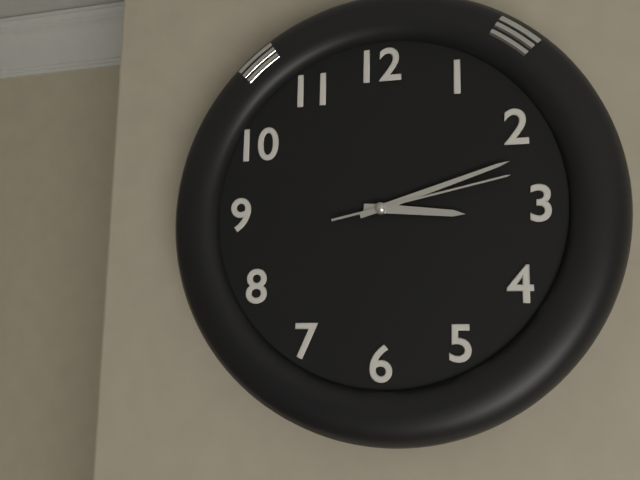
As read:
3:12:13
